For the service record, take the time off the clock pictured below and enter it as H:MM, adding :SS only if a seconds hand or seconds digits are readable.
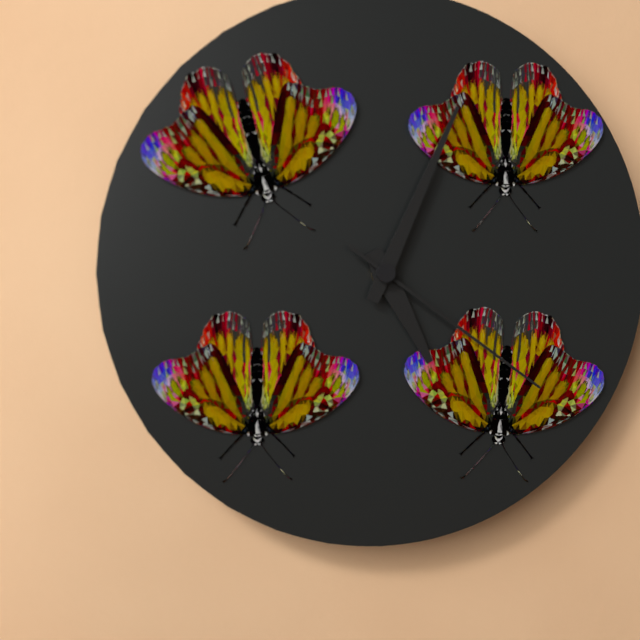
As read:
5:04:21
